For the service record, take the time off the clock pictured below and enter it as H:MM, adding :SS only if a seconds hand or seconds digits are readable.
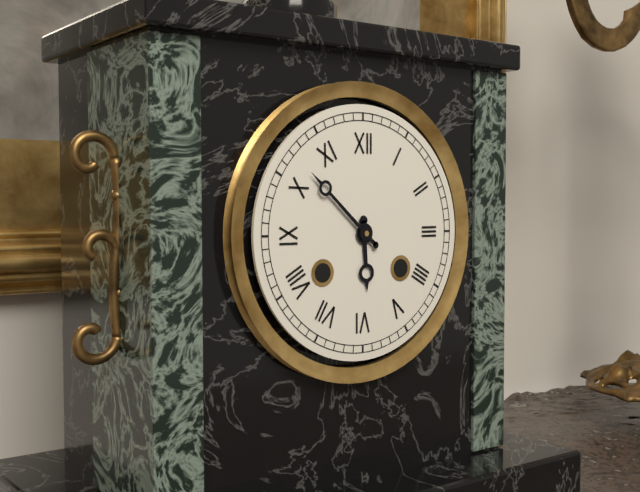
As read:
5:52
